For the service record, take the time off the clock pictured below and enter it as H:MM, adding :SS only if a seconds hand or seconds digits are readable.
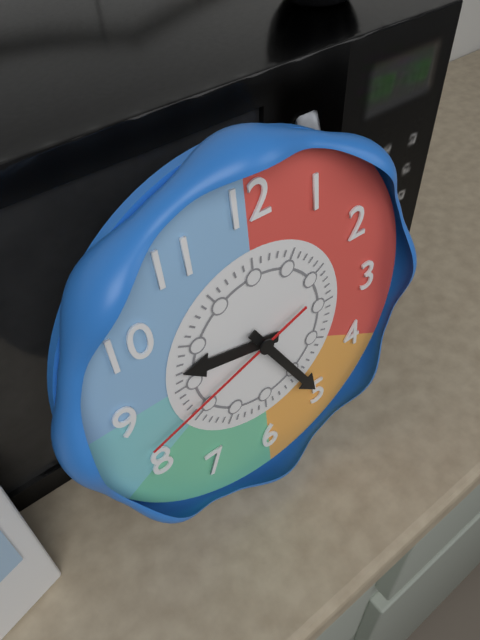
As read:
9:25:42
